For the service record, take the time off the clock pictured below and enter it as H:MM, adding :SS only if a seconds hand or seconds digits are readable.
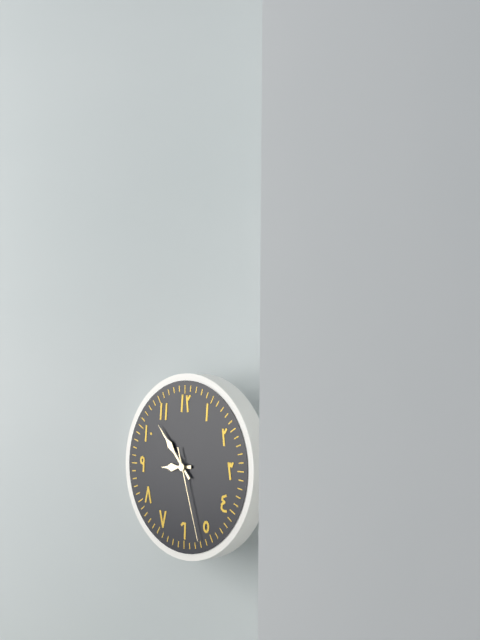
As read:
8:53:27
